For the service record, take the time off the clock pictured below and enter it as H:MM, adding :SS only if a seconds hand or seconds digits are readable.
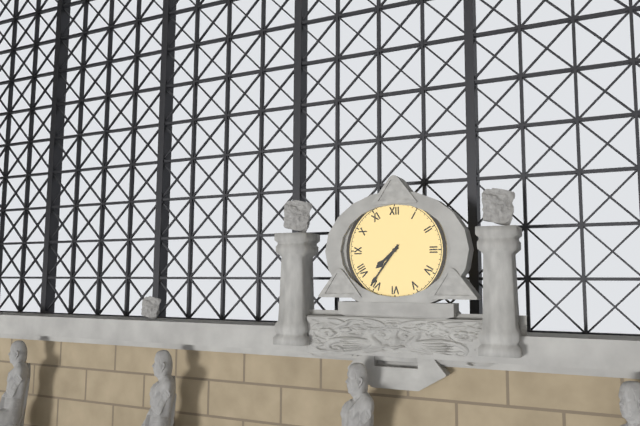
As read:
7:36
